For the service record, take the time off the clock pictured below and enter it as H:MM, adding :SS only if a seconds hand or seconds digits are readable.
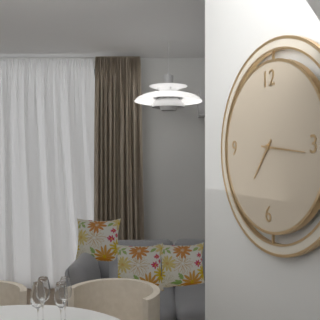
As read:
7:16
